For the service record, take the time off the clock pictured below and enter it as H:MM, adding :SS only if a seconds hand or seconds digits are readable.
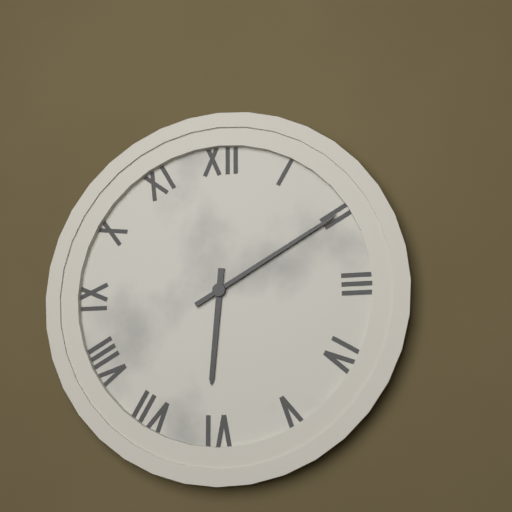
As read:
6:10
